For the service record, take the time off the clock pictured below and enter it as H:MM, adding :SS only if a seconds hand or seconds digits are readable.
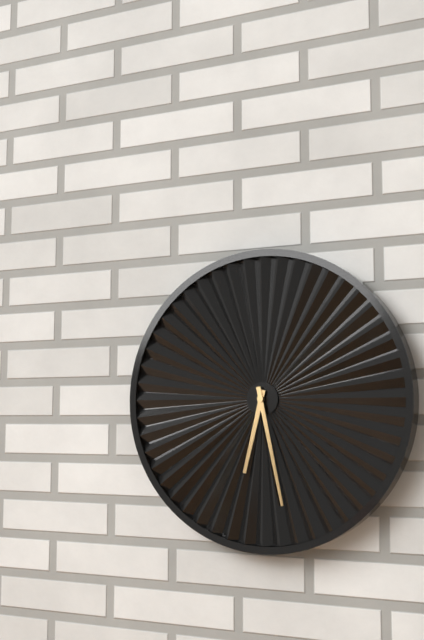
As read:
6:28
